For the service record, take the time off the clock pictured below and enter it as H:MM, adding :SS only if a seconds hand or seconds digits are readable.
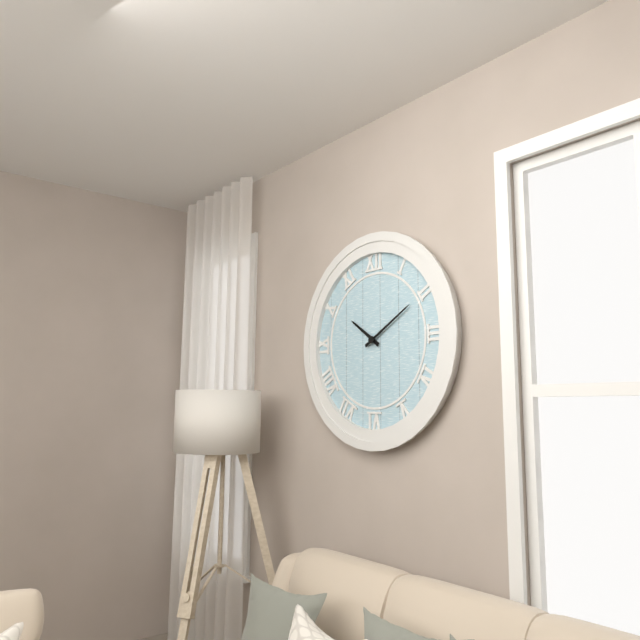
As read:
10:10
